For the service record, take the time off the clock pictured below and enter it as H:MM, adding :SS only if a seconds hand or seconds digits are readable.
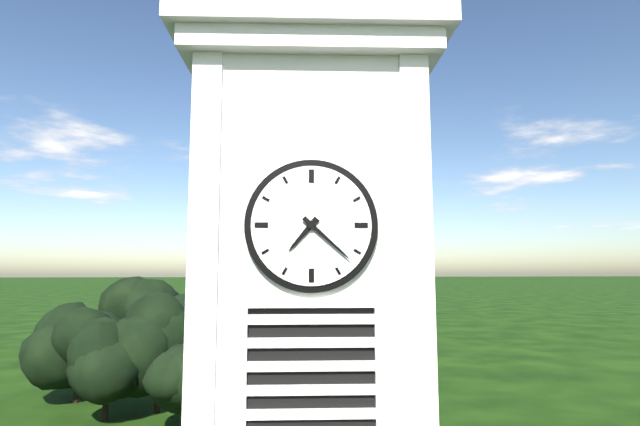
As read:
7:22
